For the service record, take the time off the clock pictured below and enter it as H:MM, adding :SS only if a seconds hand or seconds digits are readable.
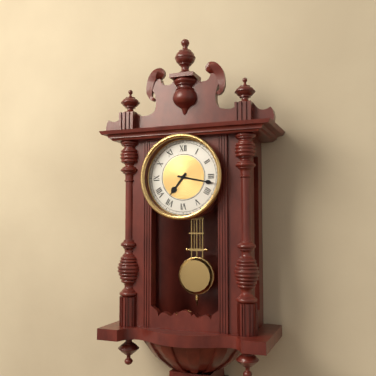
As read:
7:17
